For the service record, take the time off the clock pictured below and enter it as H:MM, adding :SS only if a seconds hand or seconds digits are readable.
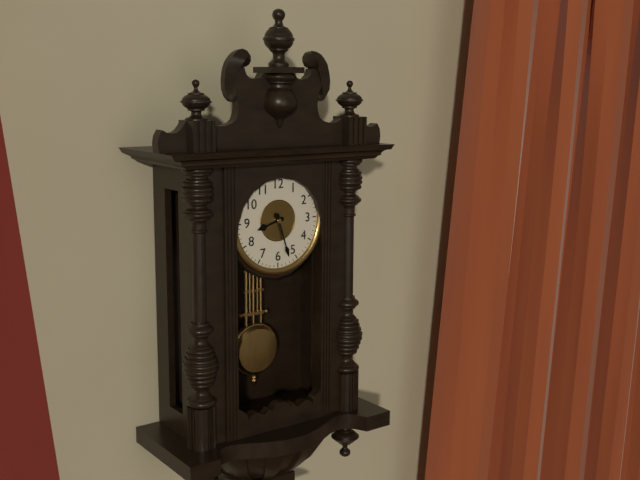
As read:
8:27
